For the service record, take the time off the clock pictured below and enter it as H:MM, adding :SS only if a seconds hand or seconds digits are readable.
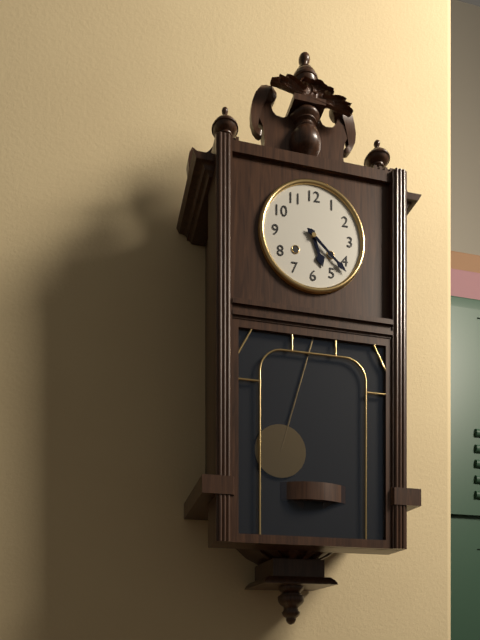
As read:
5:22
